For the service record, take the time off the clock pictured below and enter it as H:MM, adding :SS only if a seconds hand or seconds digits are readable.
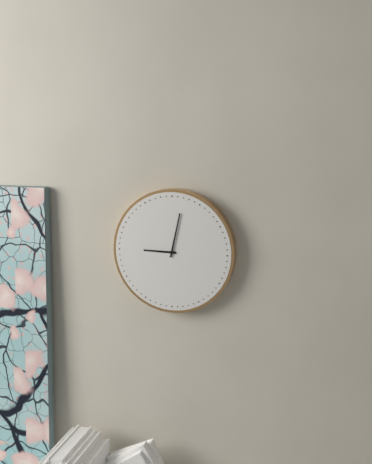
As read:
9:02
